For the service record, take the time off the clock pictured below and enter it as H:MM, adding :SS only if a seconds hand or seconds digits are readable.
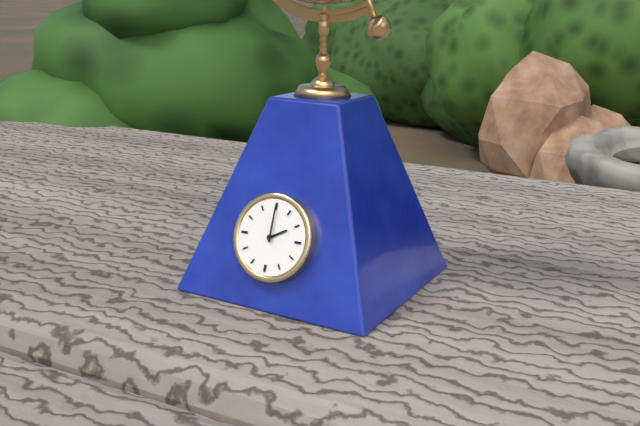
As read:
2:00
